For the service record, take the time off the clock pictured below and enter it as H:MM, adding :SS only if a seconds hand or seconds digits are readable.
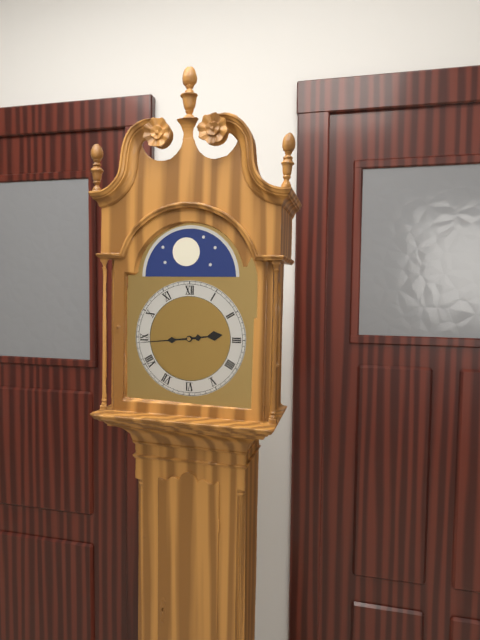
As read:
2:44
